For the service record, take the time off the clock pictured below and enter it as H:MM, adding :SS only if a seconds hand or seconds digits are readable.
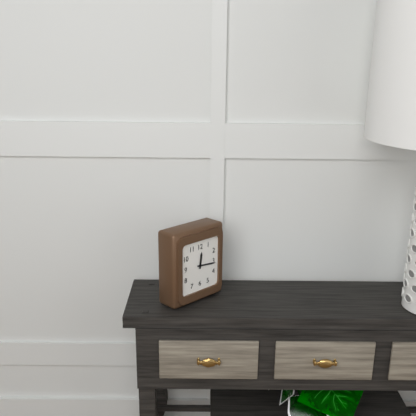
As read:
12:16
